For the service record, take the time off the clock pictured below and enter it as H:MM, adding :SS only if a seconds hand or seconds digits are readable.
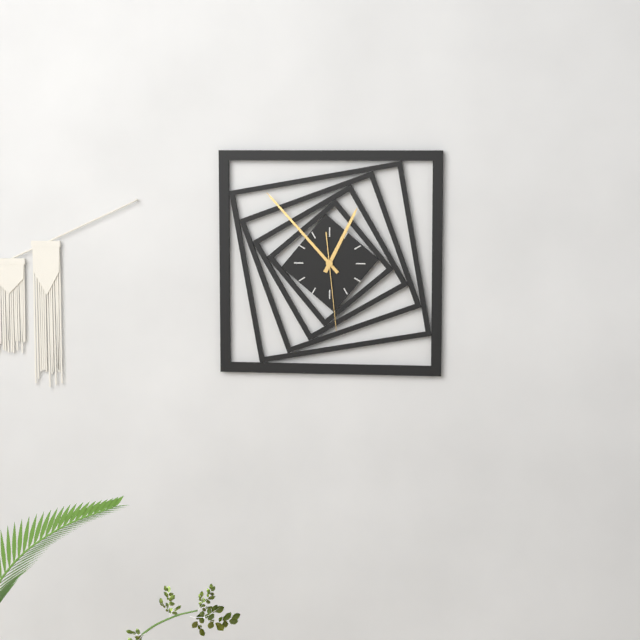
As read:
12:53:29
